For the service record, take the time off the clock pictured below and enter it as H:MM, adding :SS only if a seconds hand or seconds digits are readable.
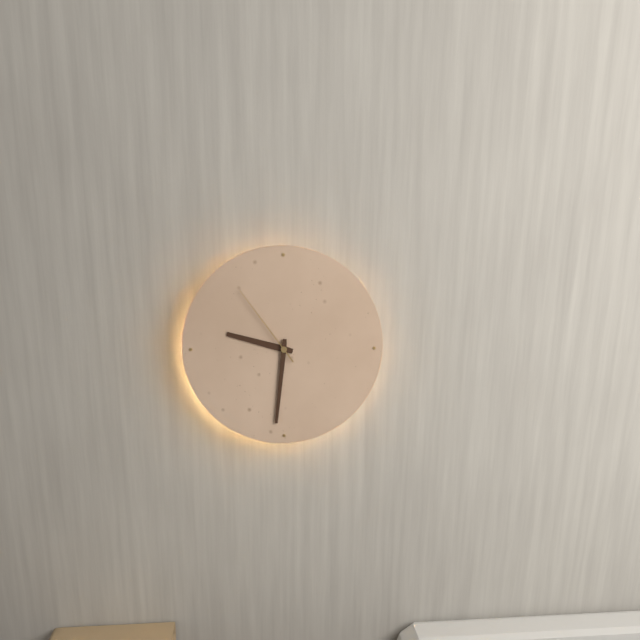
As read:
9:31:54
